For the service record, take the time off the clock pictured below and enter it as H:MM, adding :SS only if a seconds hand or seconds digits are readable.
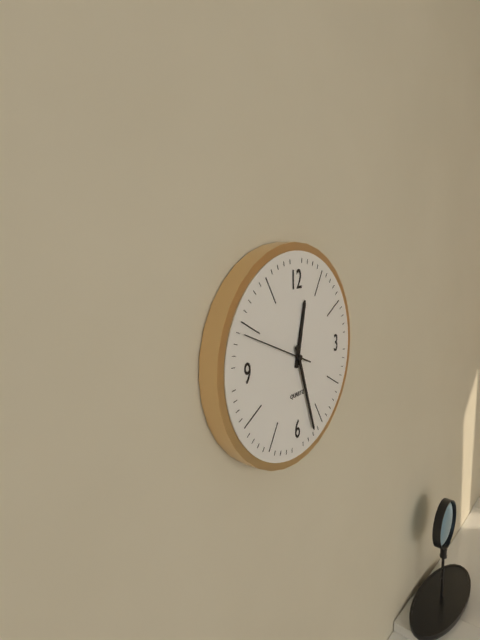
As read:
12:27:49
